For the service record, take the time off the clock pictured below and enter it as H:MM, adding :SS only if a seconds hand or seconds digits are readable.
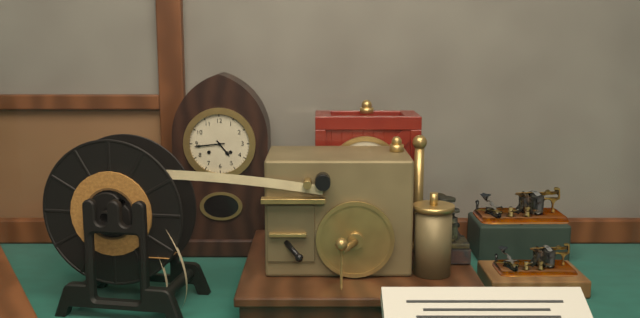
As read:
4:44
